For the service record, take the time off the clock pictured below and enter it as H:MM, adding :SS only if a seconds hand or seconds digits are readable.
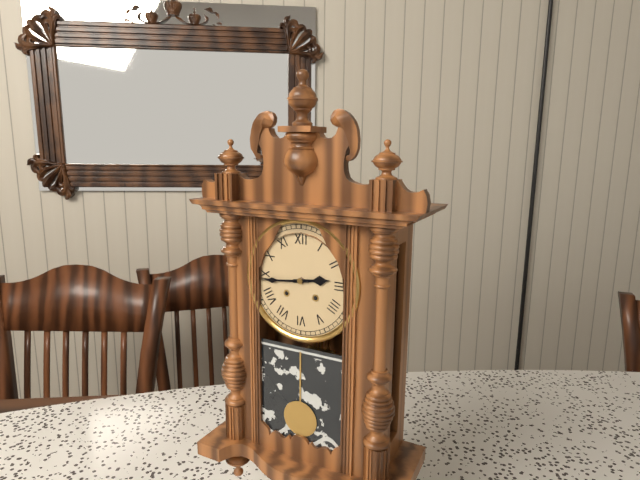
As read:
2:44
